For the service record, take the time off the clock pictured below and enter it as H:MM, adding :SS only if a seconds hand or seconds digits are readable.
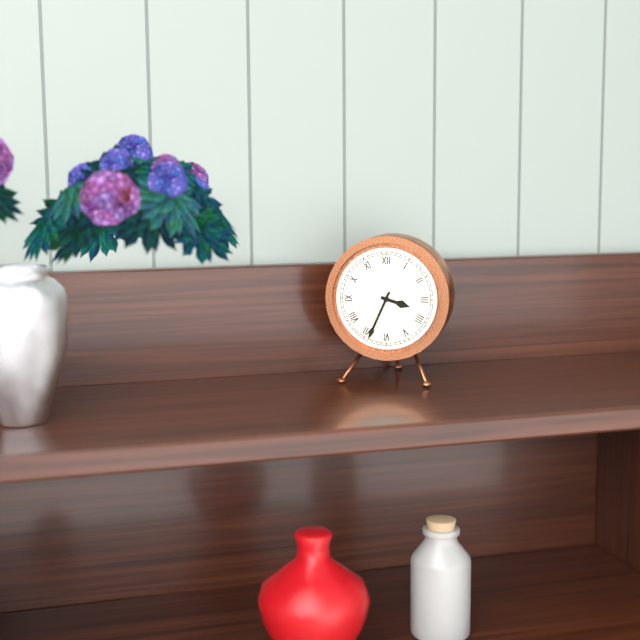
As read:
3:34
